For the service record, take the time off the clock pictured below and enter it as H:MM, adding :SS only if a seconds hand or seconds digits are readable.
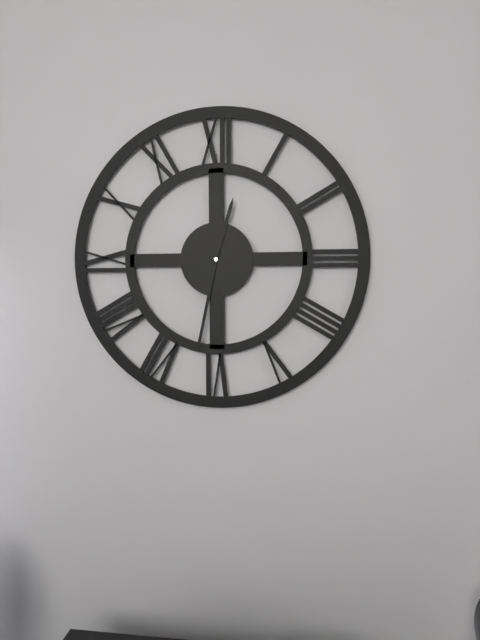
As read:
12:32
